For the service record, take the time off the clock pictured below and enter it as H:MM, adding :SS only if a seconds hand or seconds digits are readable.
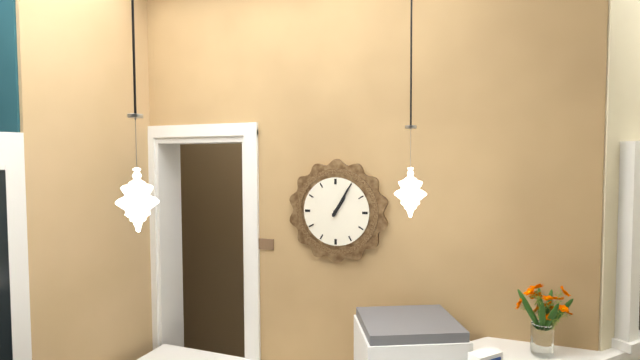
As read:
1:05
